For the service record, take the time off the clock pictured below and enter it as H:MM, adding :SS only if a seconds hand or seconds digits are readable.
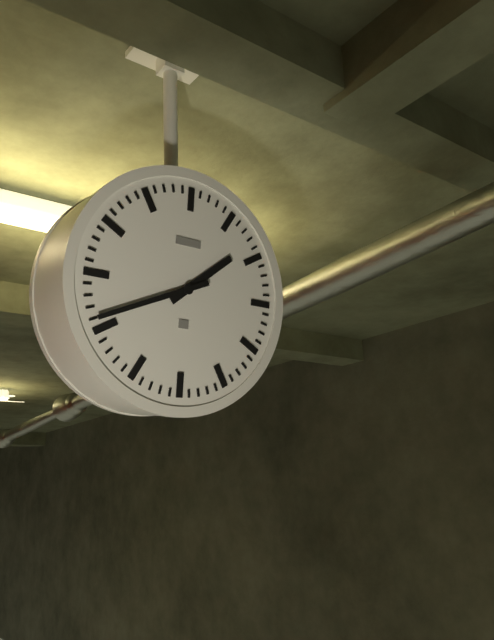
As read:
1:41
